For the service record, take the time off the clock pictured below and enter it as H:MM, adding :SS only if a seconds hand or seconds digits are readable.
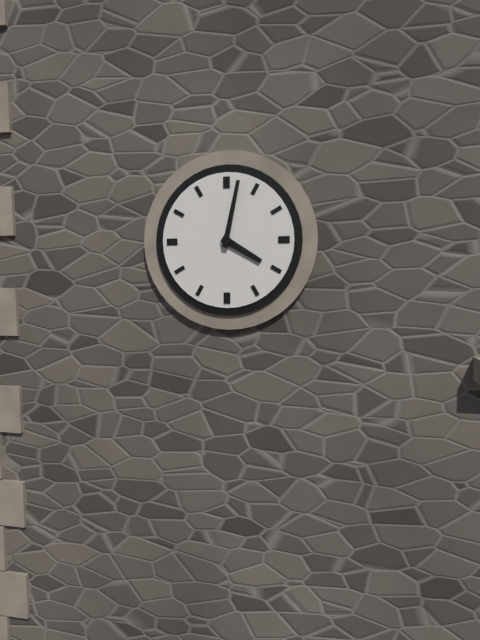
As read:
4:02
